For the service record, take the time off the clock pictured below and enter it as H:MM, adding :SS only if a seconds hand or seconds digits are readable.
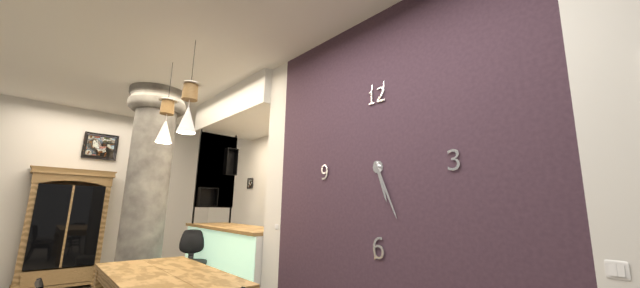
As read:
5:26
